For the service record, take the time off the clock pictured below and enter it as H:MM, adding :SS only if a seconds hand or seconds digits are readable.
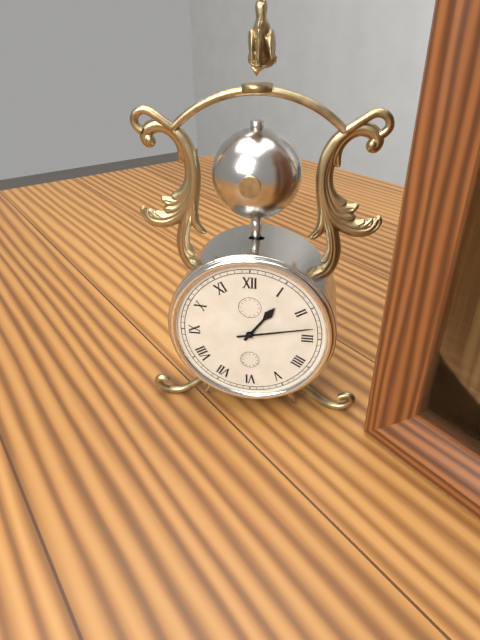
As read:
1:13
